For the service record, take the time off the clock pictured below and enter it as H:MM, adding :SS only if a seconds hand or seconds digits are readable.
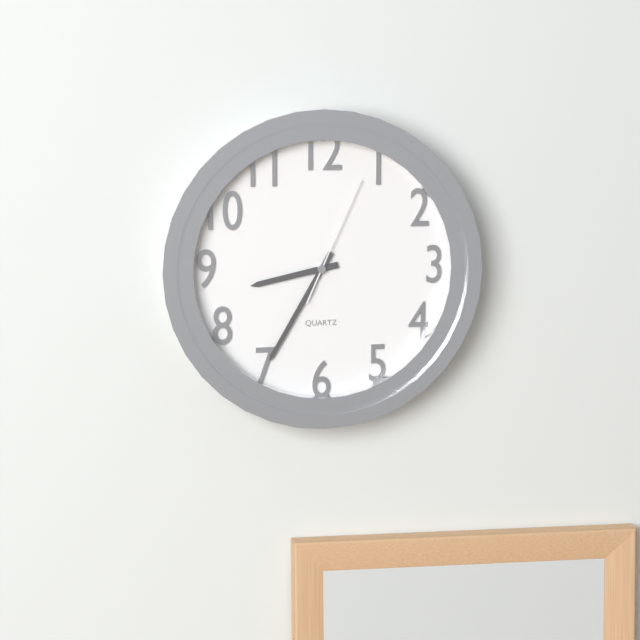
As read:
8:35:04
